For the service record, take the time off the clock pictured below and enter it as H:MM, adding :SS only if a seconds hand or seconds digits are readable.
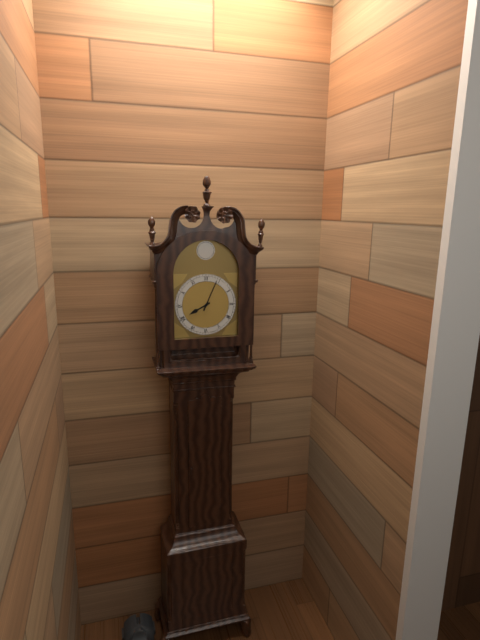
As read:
8:04
